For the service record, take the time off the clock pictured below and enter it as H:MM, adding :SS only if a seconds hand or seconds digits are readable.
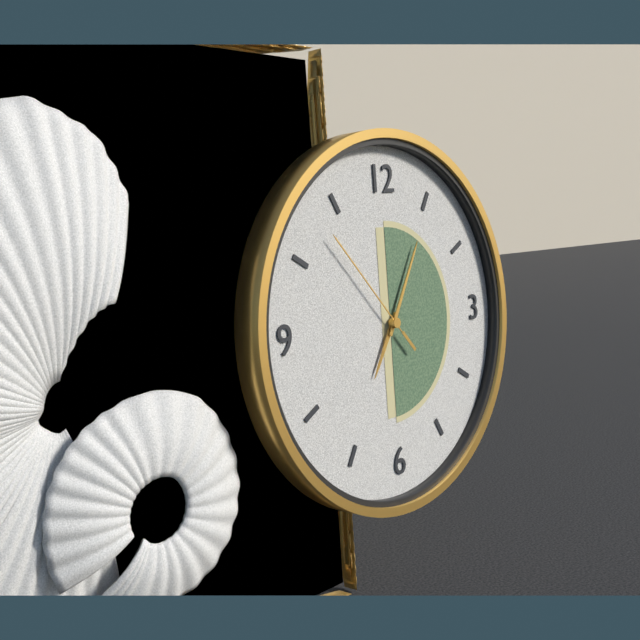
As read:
7:05:53
